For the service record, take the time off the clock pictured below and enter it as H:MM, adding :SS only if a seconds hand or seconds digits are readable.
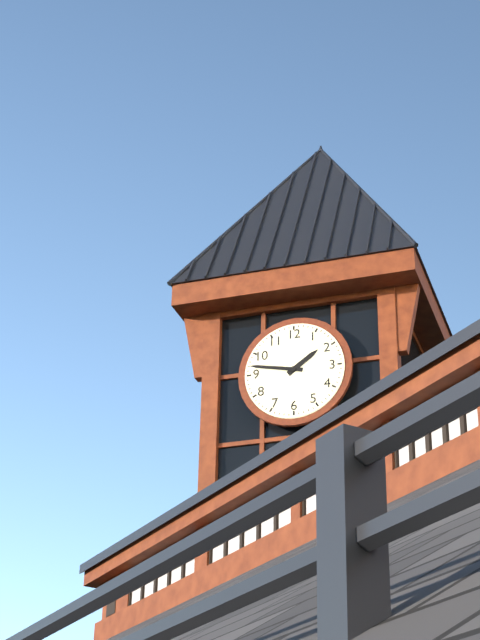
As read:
1:47
